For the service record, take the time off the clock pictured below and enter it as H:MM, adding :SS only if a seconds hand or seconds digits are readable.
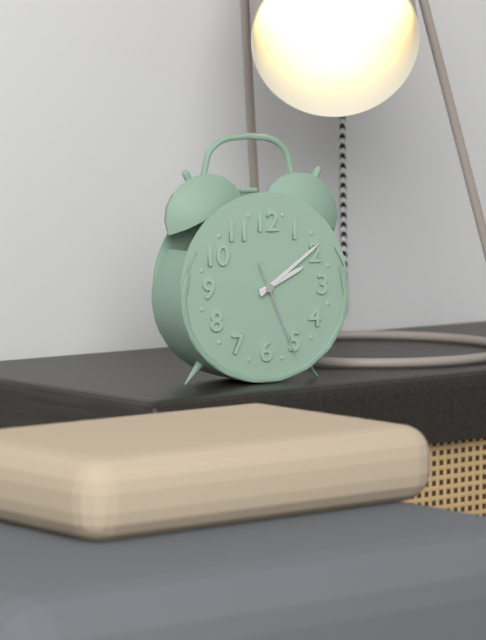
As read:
2:09:26
